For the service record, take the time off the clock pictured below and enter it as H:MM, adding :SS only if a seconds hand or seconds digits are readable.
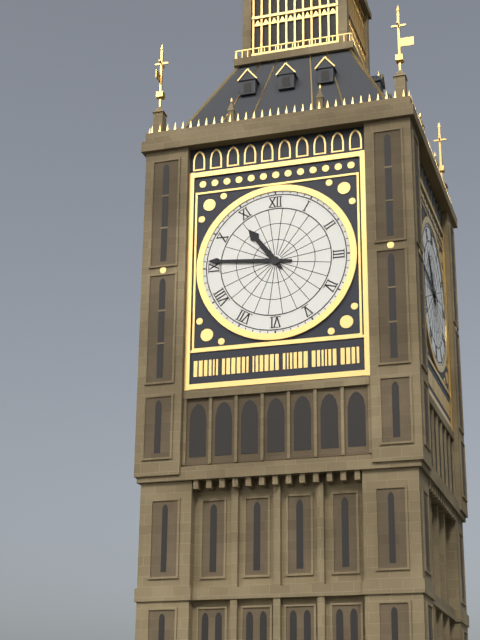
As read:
10:46
